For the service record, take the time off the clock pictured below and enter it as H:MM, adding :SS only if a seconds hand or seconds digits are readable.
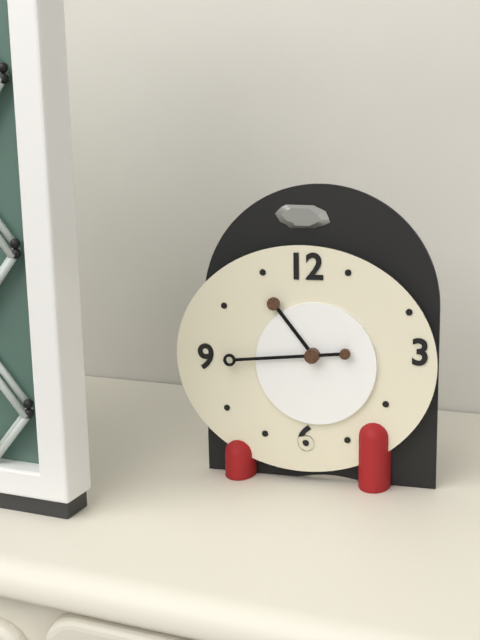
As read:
10:44
